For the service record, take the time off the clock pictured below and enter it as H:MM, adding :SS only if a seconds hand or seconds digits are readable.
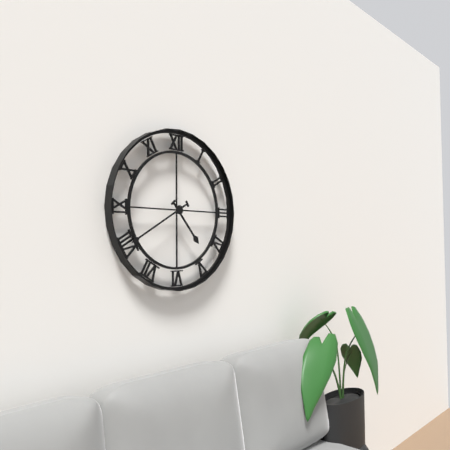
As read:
4:40
